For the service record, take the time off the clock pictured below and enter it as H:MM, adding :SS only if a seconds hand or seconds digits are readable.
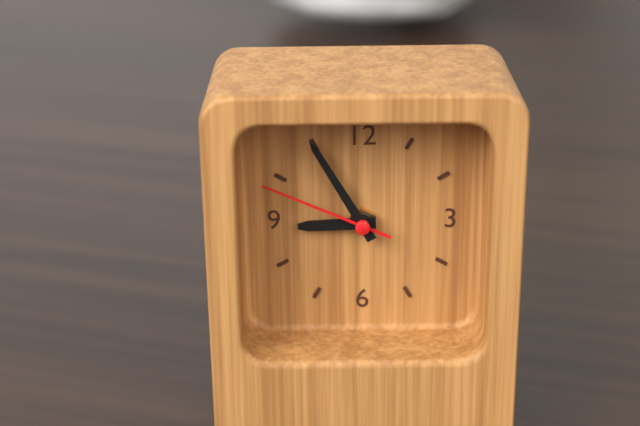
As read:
8:55:49
